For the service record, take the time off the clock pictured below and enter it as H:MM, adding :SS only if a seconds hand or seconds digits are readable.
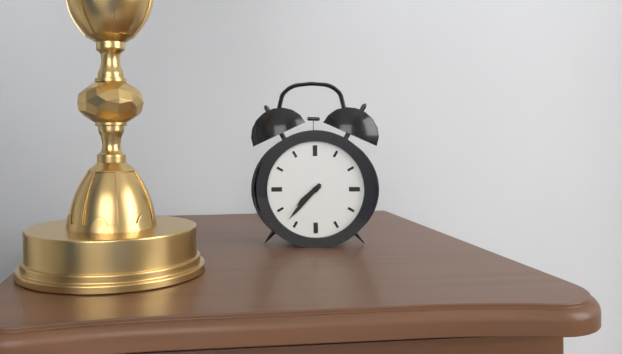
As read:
7:37
